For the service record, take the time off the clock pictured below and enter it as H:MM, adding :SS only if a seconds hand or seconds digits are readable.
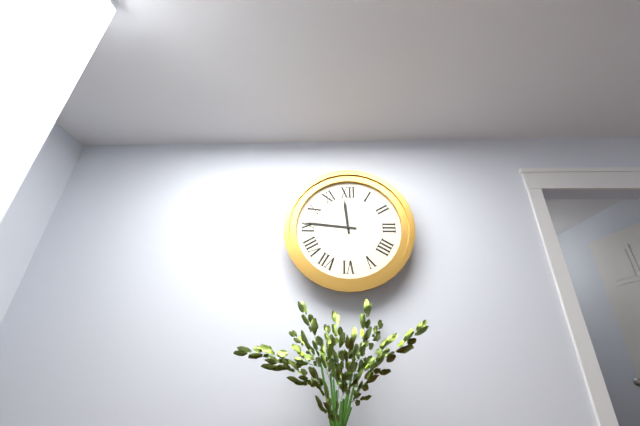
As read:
11:46
